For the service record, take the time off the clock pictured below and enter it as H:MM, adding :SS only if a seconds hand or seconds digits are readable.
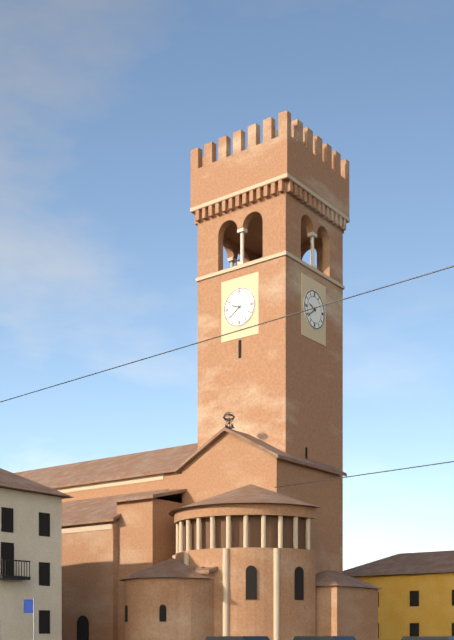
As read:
9:39
